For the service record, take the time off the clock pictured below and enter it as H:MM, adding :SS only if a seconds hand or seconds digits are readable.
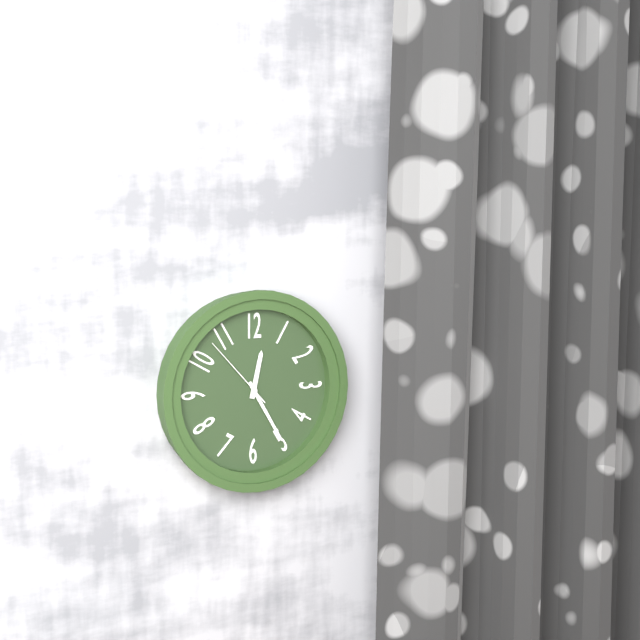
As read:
12:25:53
